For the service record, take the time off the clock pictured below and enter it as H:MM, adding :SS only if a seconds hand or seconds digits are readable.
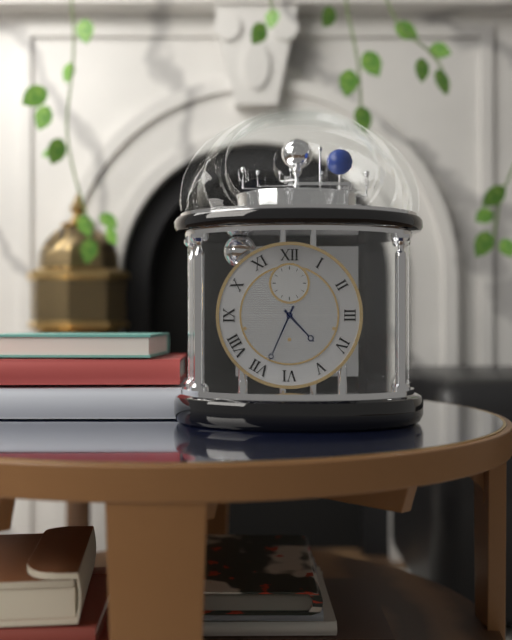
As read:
4:34
